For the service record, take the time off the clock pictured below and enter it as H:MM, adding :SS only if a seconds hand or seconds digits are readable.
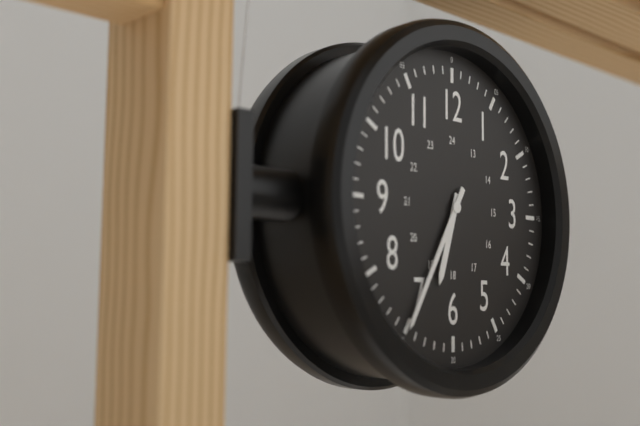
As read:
6:35
